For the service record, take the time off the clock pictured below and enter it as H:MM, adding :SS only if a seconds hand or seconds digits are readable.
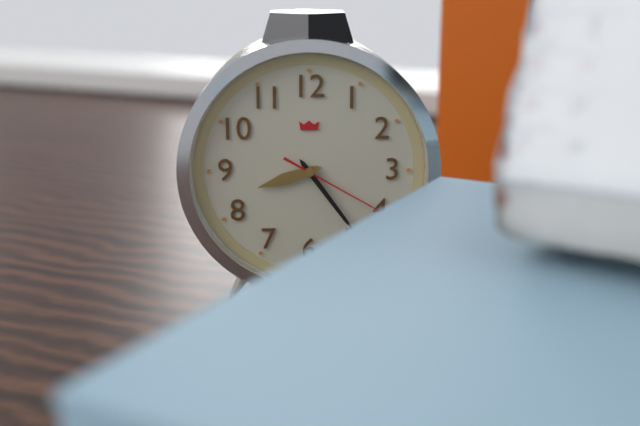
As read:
8:24:20
